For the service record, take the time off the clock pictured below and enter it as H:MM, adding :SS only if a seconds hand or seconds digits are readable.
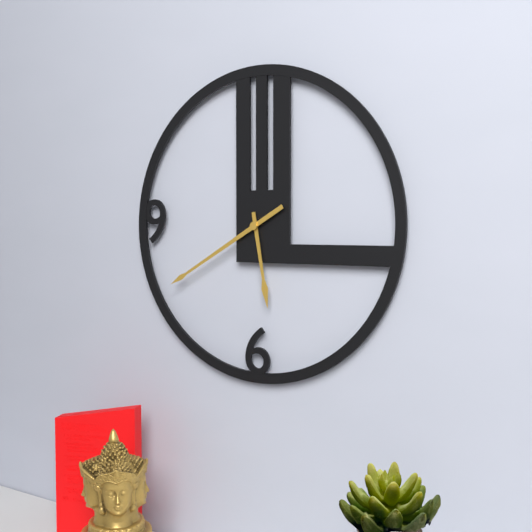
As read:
5:40
